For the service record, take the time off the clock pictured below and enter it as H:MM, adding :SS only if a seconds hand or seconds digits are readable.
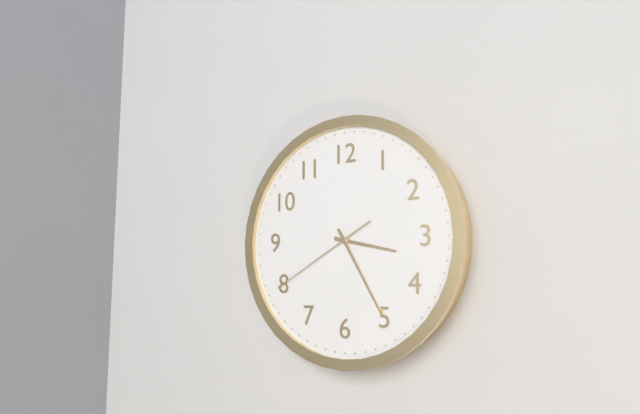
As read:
3:25:40
